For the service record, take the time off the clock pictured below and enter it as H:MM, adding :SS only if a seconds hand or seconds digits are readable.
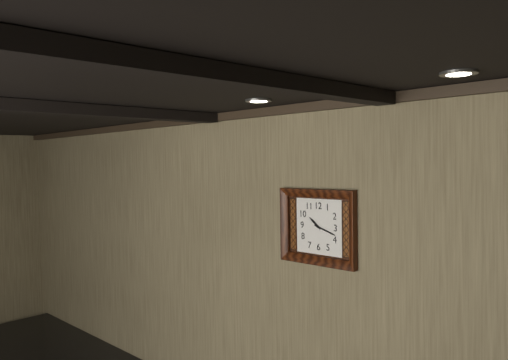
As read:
10:18
